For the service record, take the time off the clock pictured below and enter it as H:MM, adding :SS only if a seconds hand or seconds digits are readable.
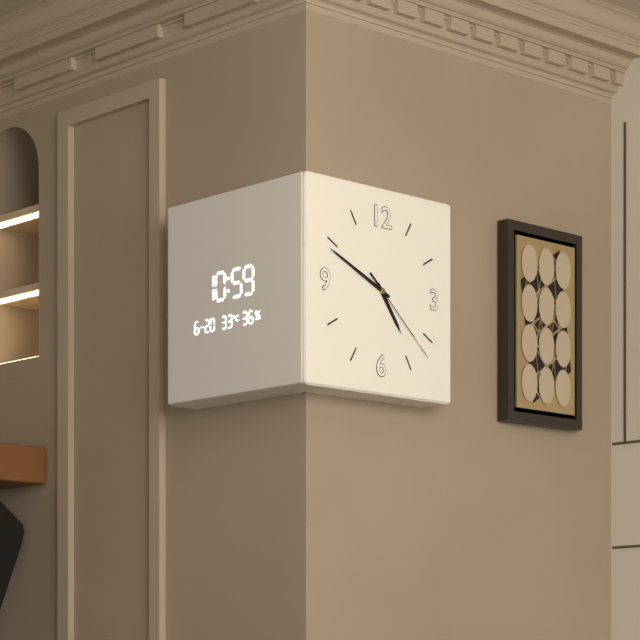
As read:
4:49:22
